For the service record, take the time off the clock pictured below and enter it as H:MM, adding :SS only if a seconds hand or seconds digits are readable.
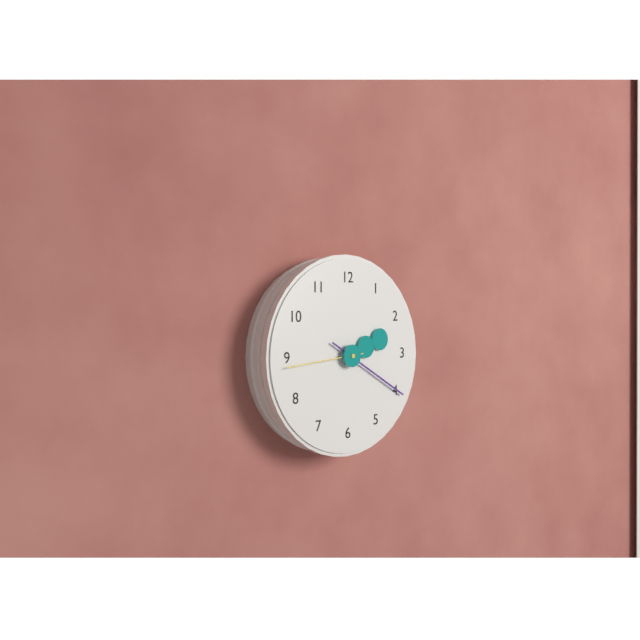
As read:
2:20:44
